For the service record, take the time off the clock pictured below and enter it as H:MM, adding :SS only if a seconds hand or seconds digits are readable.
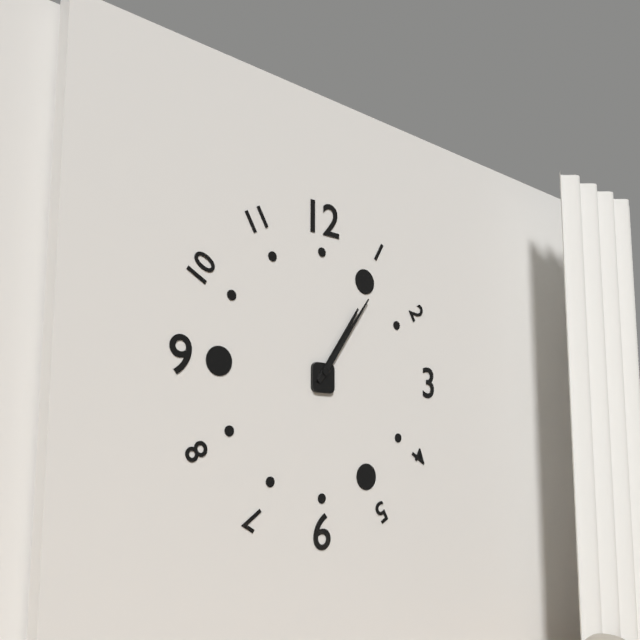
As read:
1:06
